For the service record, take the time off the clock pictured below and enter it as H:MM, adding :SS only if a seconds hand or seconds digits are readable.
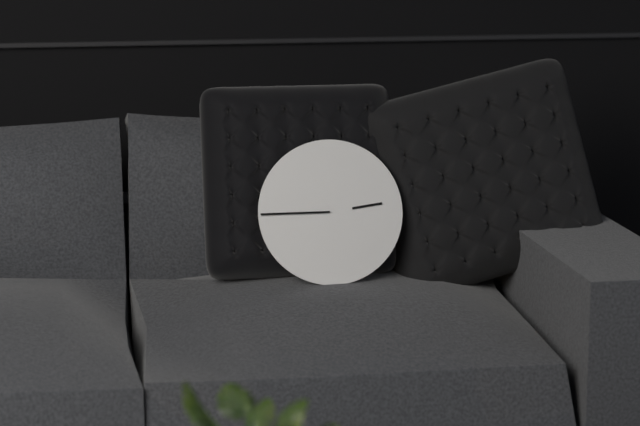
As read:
2:45
